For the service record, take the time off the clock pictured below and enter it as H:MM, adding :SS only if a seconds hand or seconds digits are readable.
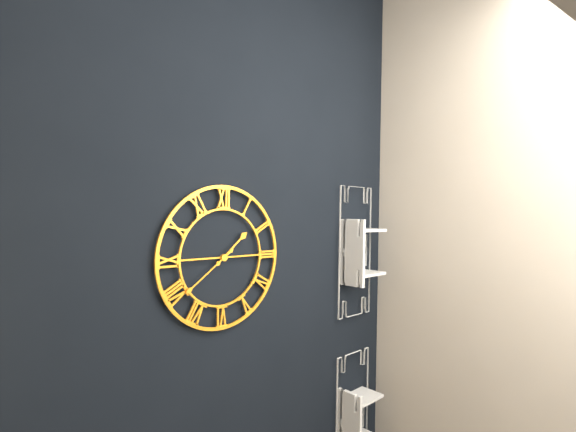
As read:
1:39
